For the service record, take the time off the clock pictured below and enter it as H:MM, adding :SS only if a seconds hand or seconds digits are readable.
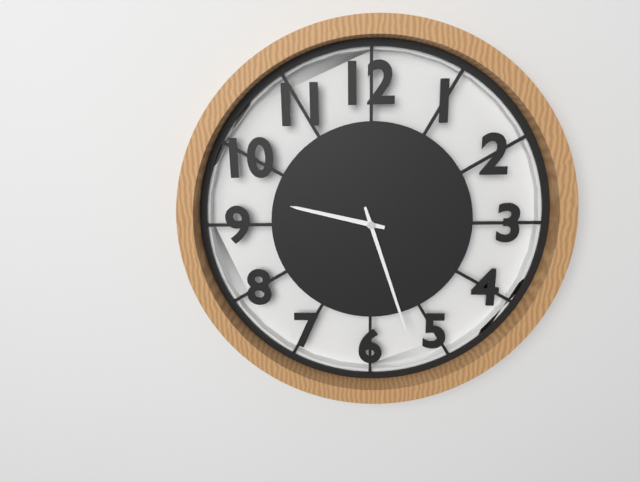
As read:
9:27
